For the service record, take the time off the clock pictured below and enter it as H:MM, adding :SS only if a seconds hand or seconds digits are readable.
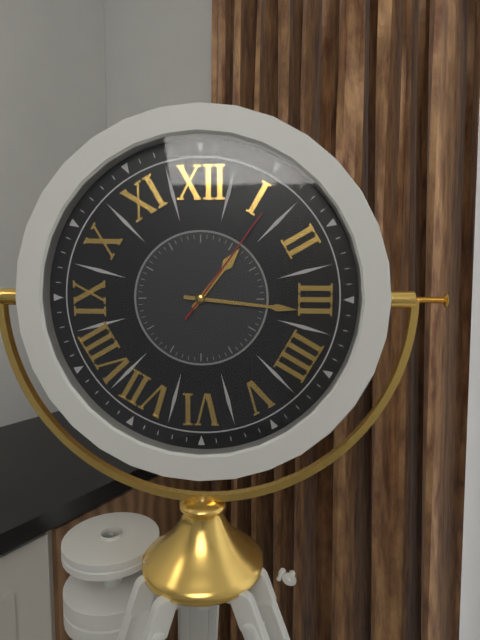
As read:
1:16:06
